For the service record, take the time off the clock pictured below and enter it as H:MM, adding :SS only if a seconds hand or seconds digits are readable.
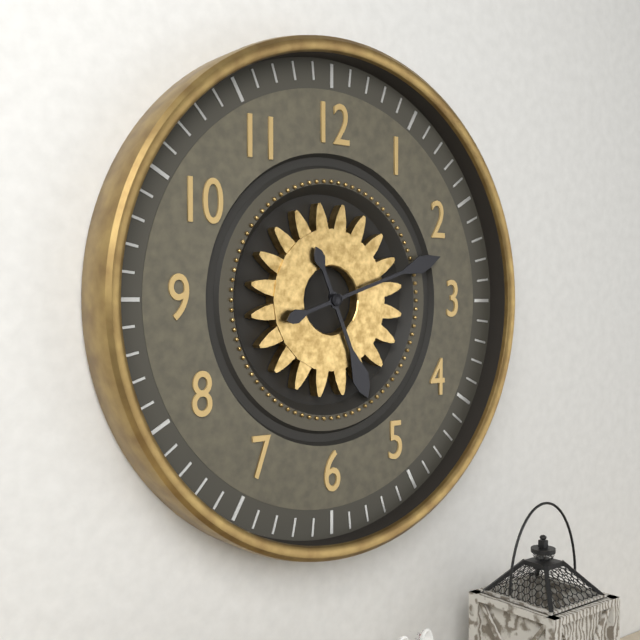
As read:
5:12
